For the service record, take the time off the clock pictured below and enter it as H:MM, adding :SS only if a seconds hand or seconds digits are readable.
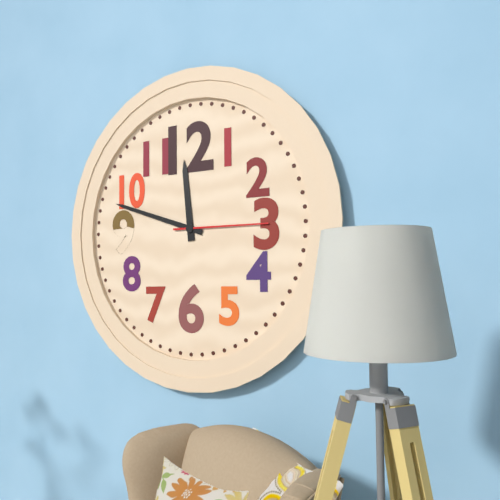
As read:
11:48:15
